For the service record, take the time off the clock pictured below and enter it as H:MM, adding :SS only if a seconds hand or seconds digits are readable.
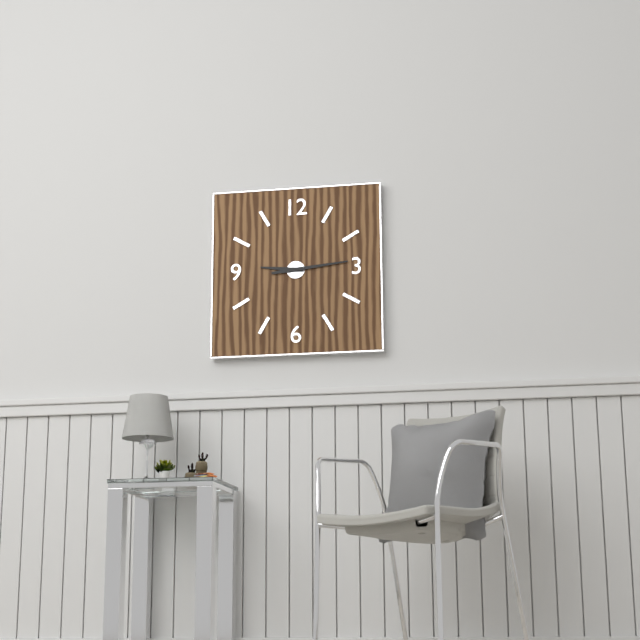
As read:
9:14
